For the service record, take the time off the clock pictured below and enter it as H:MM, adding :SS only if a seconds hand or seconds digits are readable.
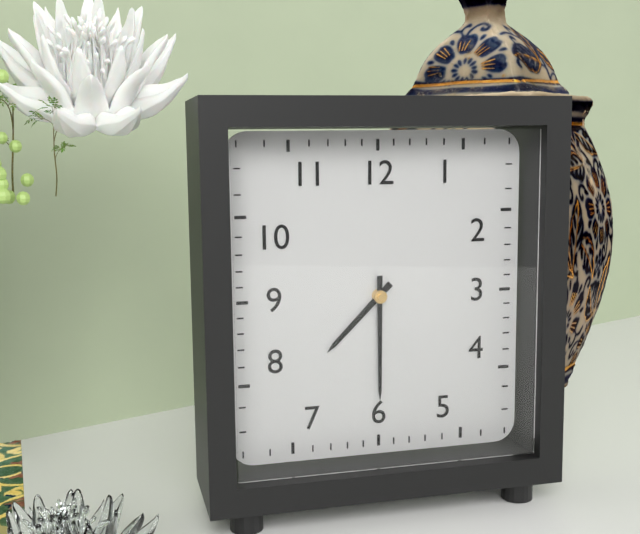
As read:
7:30
